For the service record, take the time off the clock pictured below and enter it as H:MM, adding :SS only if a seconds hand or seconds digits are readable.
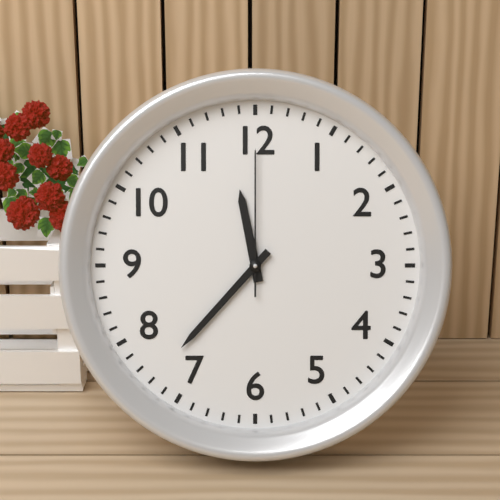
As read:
11:37:00
